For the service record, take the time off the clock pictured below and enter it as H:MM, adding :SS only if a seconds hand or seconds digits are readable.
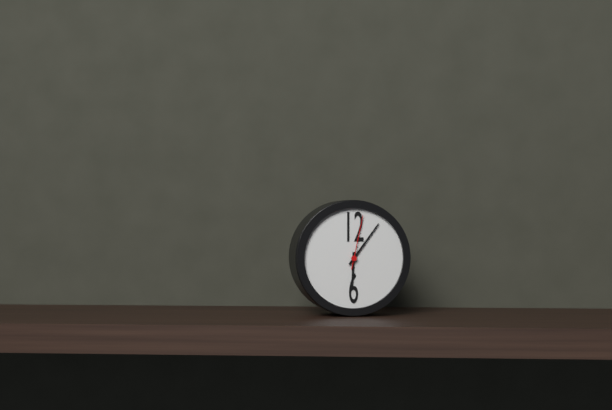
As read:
6:06:02
